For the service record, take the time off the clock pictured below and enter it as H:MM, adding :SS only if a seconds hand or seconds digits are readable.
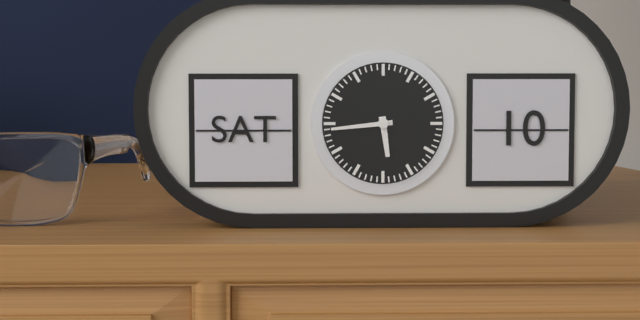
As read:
5:44
